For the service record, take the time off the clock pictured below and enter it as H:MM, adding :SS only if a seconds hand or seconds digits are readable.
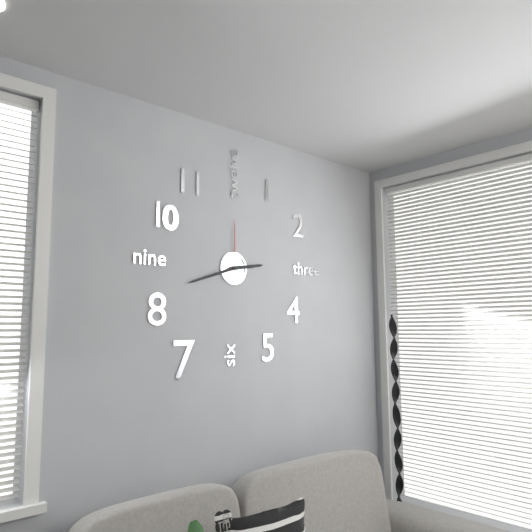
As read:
2:42:00
